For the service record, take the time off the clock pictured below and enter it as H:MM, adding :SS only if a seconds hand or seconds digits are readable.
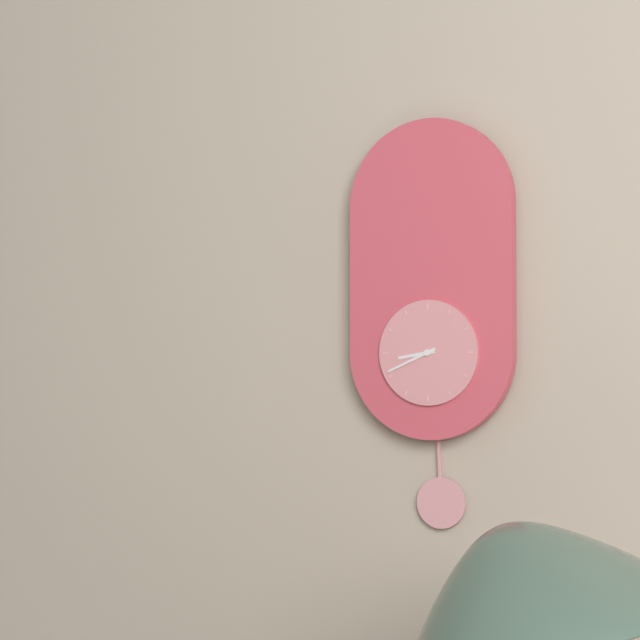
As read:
8:41
